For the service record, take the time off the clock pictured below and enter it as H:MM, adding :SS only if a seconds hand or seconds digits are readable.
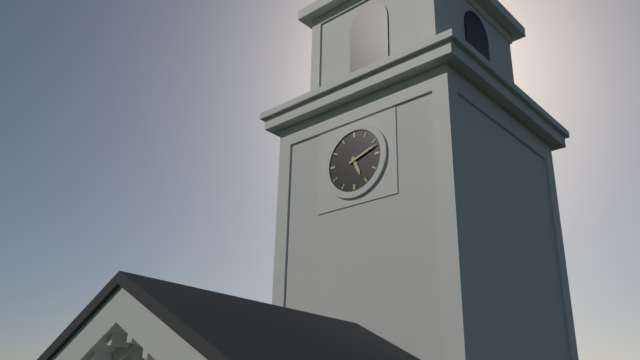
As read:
5:12
